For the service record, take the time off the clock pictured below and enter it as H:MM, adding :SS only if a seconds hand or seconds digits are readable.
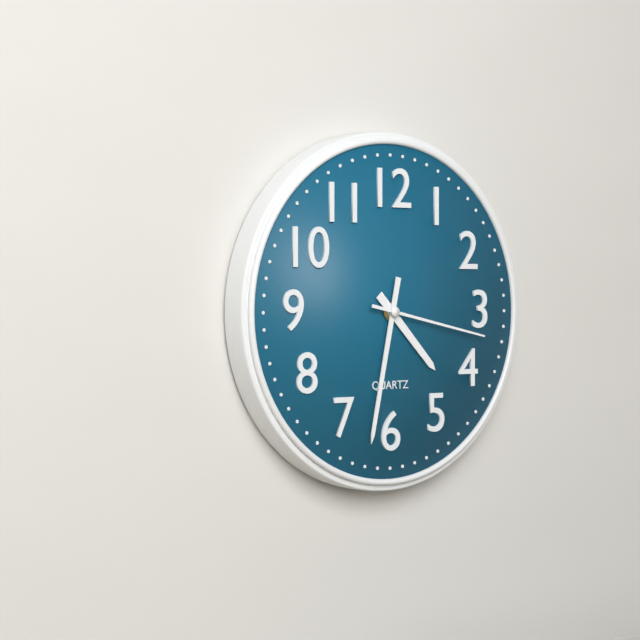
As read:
4:32:17
